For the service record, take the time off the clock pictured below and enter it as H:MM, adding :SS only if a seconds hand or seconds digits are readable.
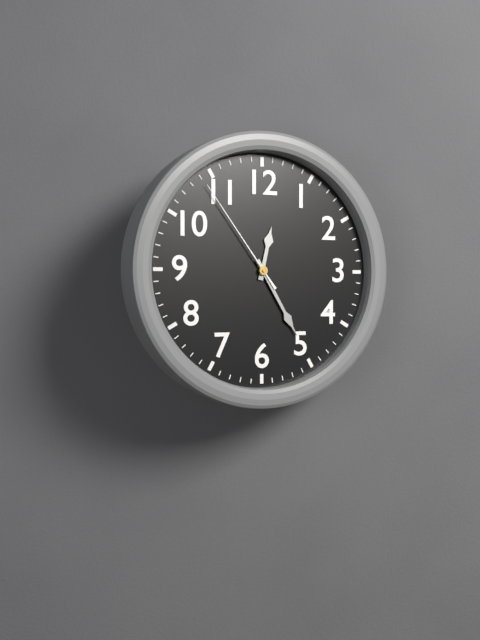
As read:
12:25:54
